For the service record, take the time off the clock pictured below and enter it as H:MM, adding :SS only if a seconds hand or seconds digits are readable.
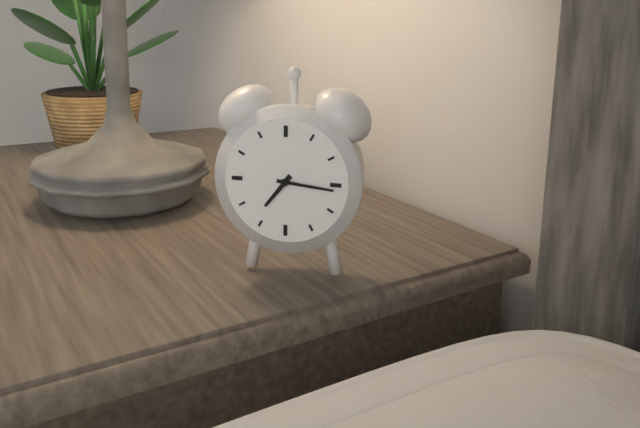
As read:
7:16
